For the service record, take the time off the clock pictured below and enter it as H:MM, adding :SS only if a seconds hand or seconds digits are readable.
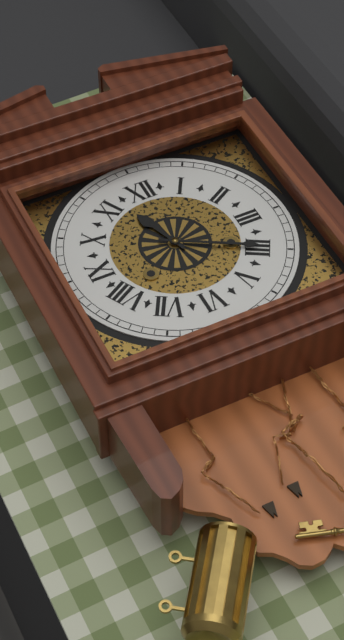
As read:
11:20
